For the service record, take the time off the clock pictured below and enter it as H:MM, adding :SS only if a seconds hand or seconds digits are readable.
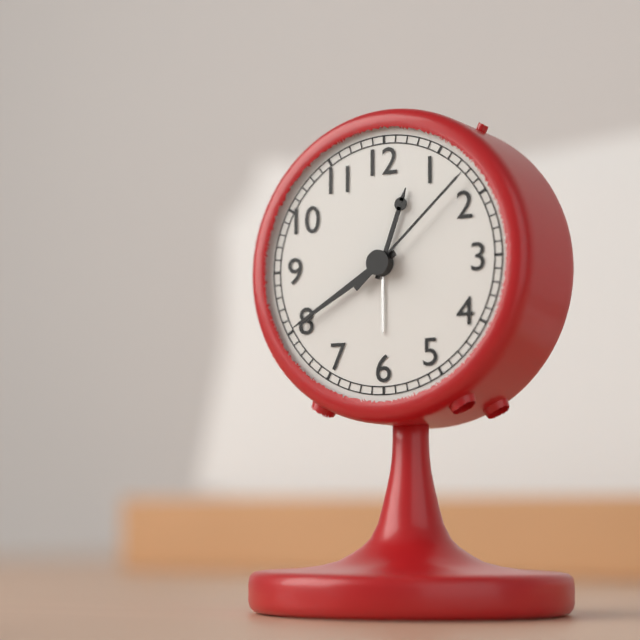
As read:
12:40:08
